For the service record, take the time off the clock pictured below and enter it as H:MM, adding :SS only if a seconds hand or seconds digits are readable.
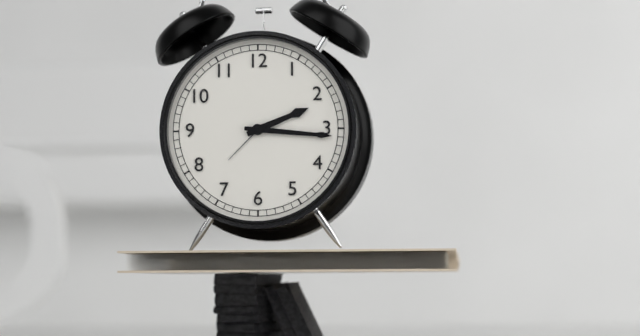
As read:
2:16
